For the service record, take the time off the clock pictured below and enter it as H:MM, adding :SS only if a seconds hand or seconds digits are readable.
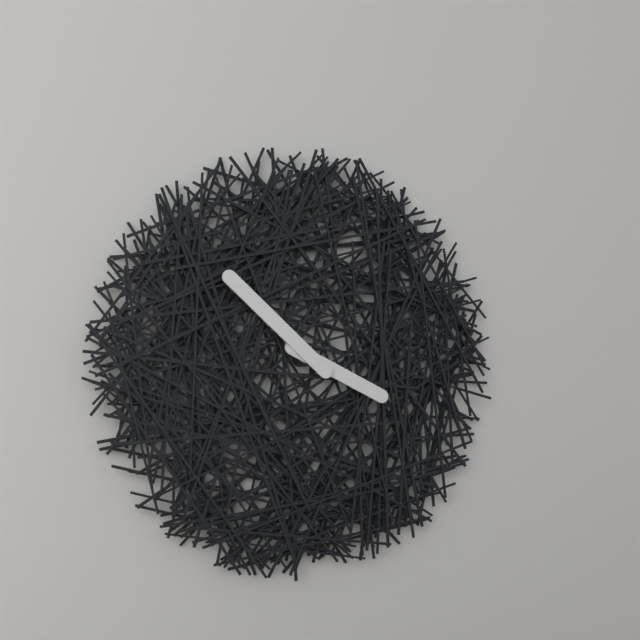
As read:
3:52
